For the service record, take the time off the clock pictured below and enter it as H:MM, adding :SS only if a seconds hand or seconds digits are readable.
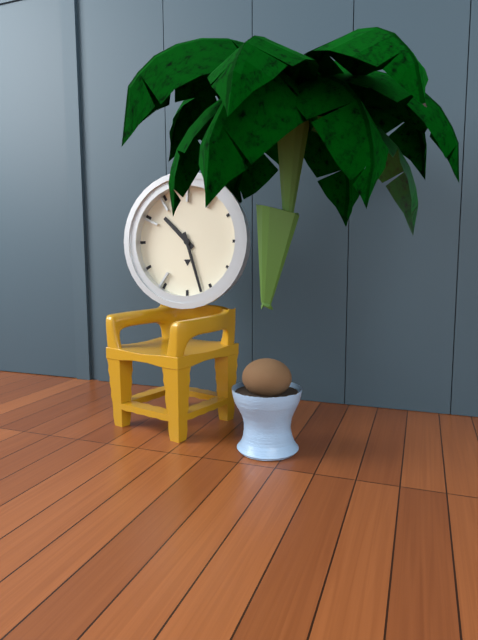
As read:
10:27
